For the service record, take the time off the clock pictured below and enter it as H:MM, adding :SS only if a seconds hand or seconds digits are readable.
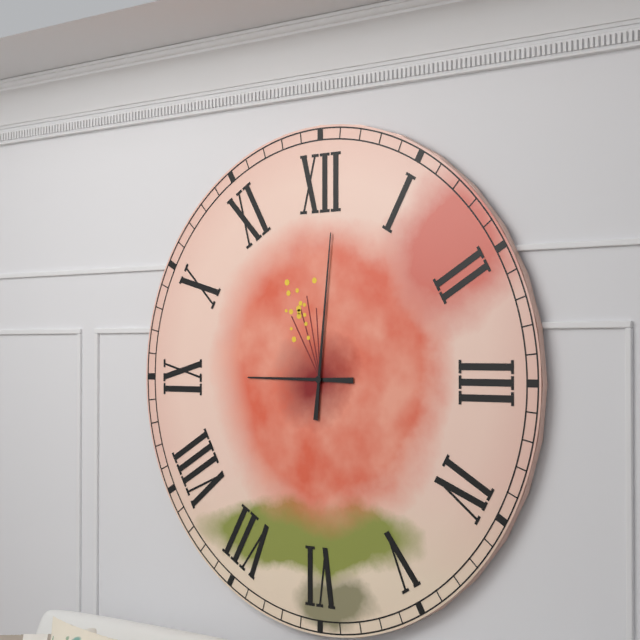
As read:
9:01
